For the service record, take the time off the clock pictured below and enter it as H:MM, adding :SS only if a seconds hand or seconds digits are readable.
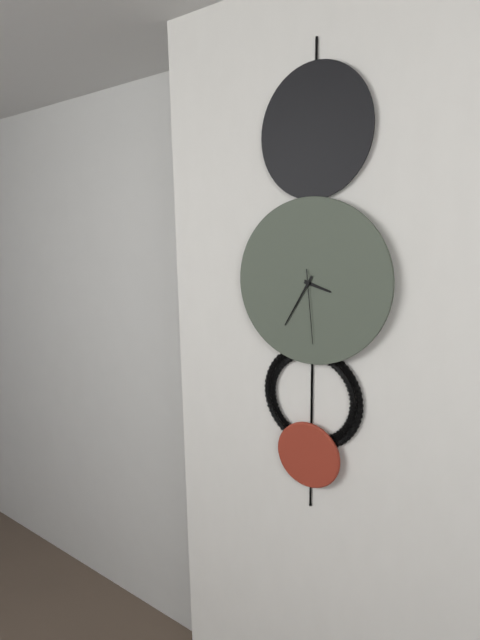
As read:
3:35:29
